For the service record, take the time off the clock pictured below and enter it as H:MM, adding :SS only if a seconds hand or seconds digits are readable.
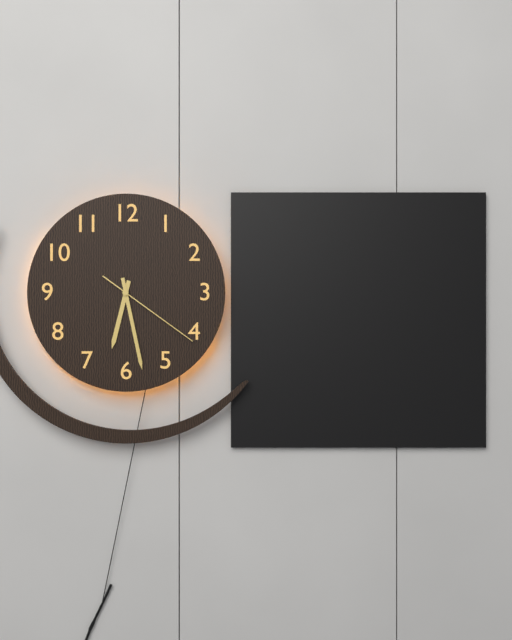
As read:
6:28:21
